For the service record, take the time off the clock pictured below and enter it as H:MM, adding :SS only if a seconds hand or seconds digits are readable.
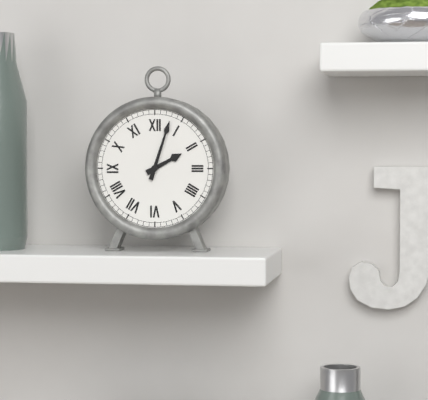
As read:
2:03
